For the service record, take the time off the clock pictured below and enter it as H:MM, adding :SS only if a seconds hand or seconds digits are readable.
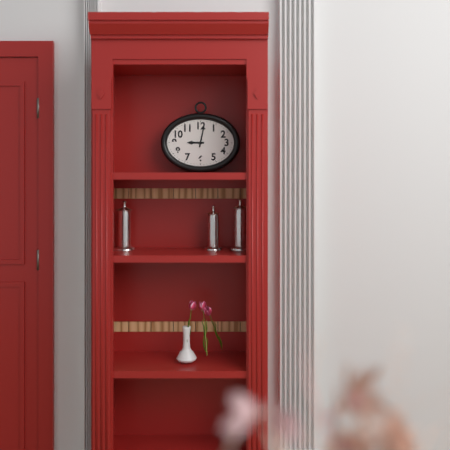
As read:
9:02
